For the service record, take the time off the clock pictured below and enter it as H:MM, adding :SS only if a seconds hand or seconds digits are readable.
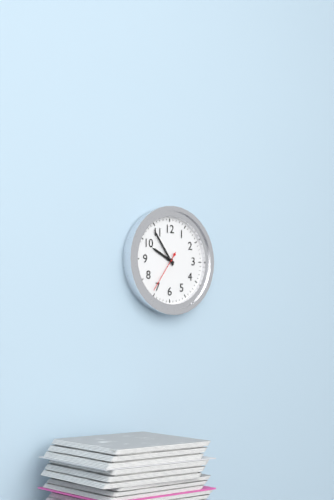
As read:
9:54
